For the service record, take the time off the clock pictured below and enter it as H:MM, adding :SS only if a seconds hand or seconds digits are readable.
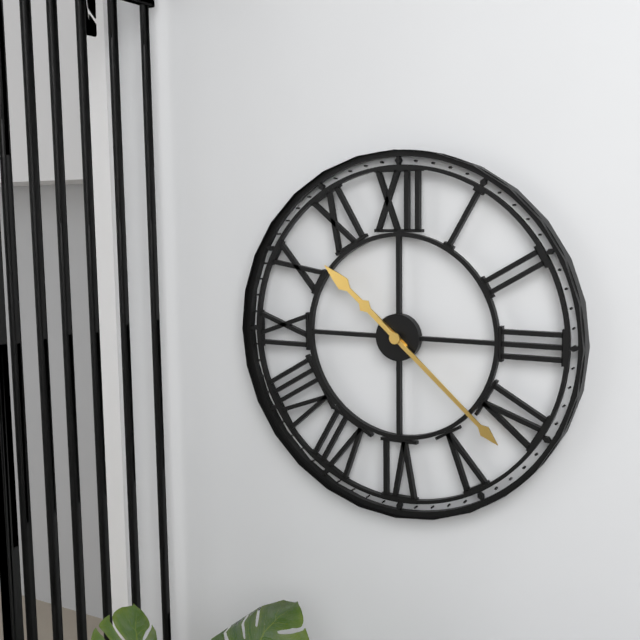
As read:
10:22
